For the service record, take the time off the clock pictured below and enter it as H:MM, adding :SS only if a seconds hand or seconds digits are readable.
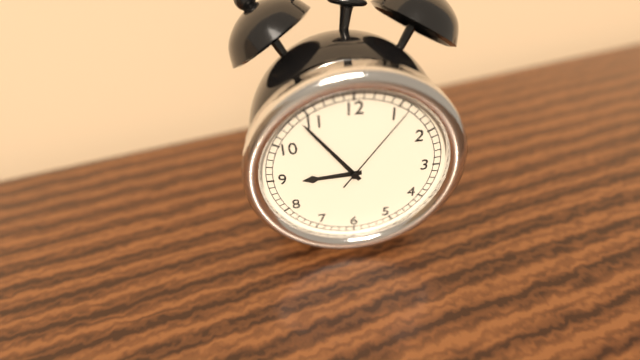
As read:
8:54:06
